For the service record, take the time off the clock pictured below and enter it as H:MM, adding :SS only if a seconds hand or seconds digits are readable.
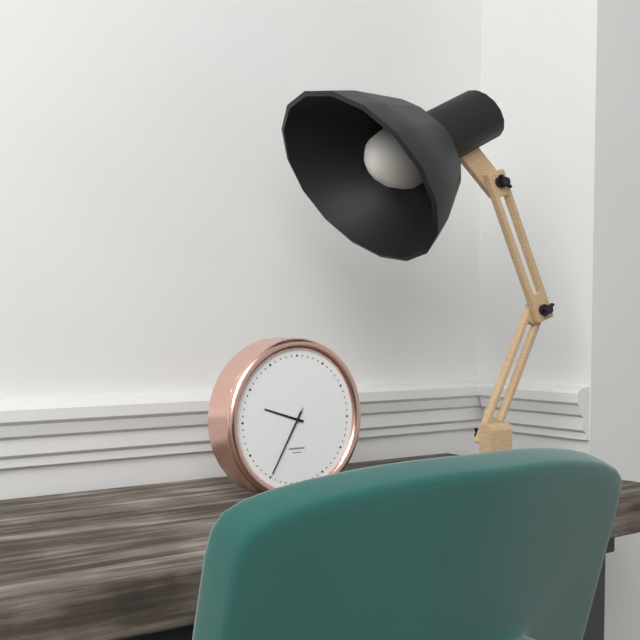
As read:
9:35:35
